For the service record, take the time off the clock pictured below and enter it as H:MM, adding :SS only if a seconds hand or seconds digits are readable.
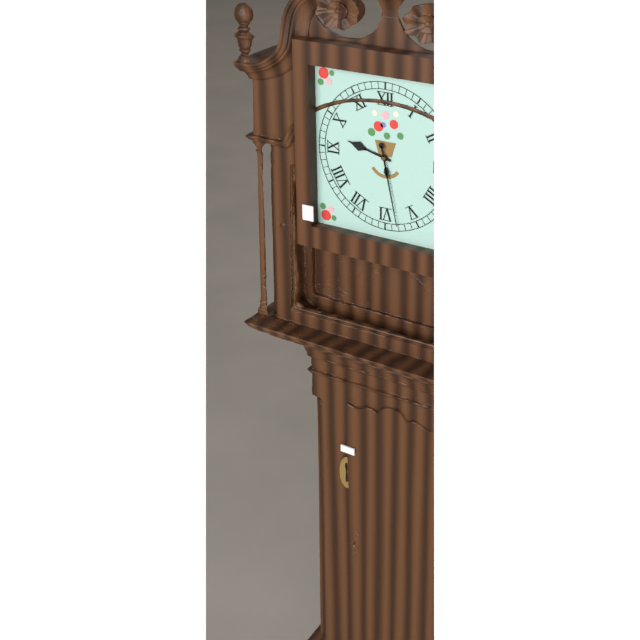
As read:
9:28
